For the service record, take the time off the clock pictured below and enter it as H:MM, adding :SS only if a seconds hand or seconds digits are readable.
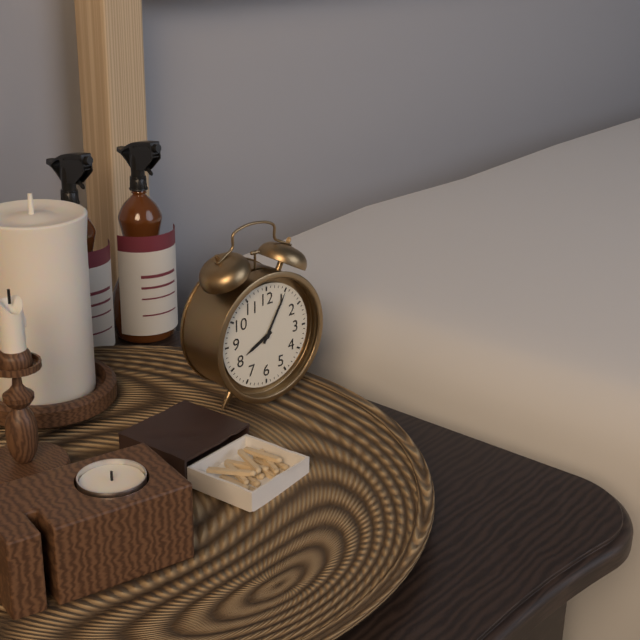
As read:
8:05
